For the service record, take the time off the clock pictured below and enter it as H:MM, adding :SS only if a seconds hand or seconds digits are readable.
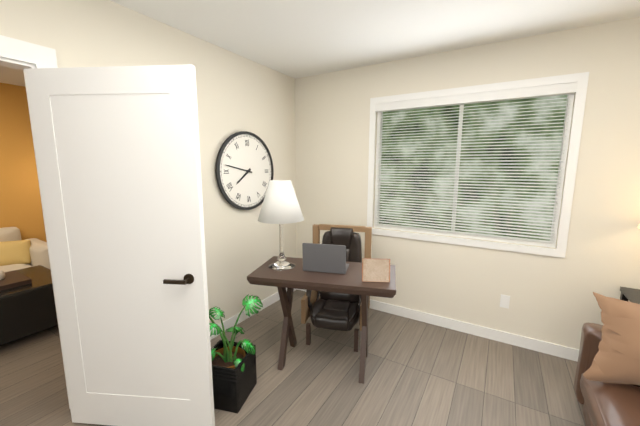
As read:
7:47
